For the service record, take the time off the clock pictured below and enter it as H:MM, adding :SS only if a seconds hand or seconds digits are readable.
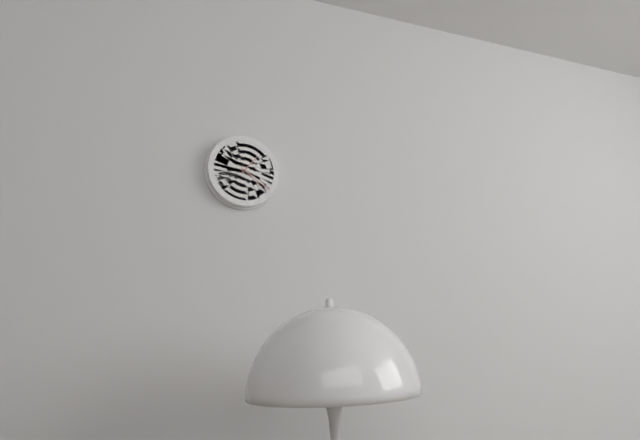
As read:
1:21
